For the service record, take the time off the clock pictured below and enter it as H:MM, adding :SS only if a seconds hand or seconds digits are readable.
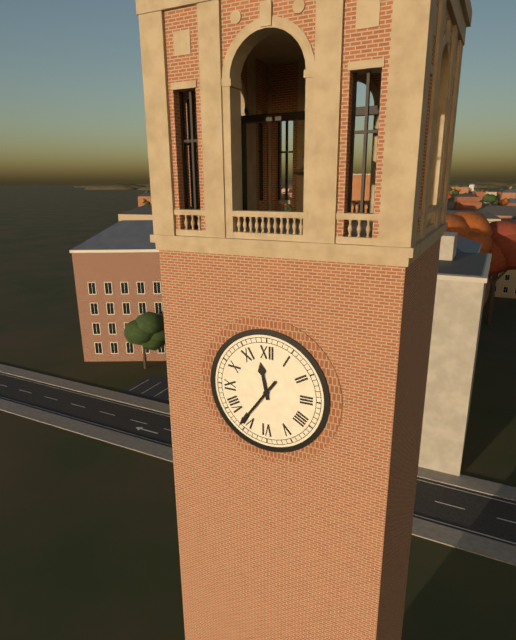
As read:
11:36
